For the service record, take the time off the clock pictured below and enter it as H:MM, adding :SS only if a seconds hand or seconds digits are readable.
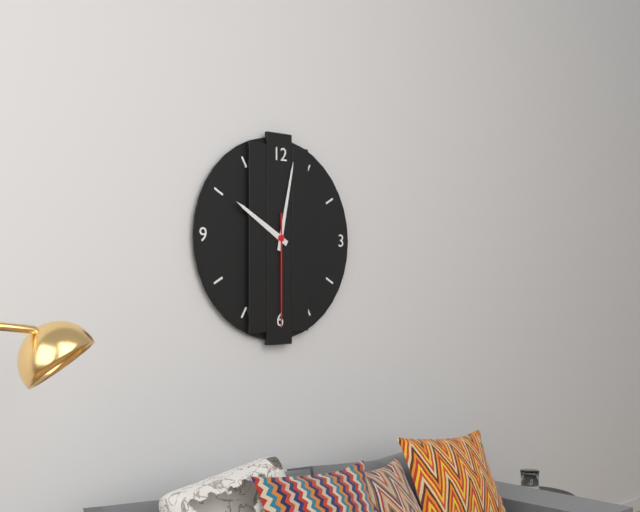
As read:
10:02:30
